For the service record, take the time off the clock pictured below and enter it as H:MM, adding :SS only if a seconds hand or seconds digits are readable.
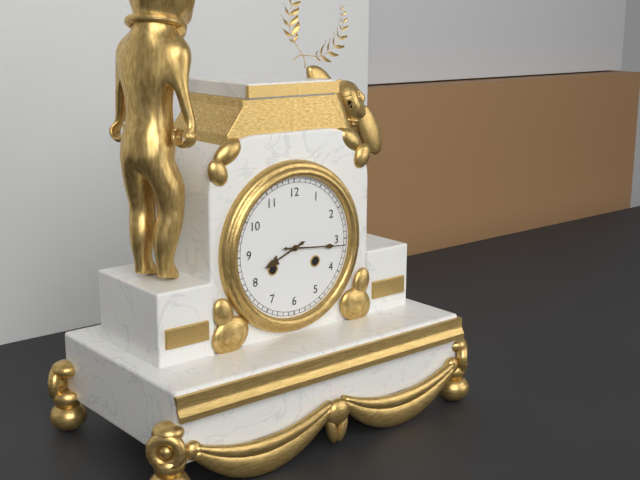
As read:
8:16
